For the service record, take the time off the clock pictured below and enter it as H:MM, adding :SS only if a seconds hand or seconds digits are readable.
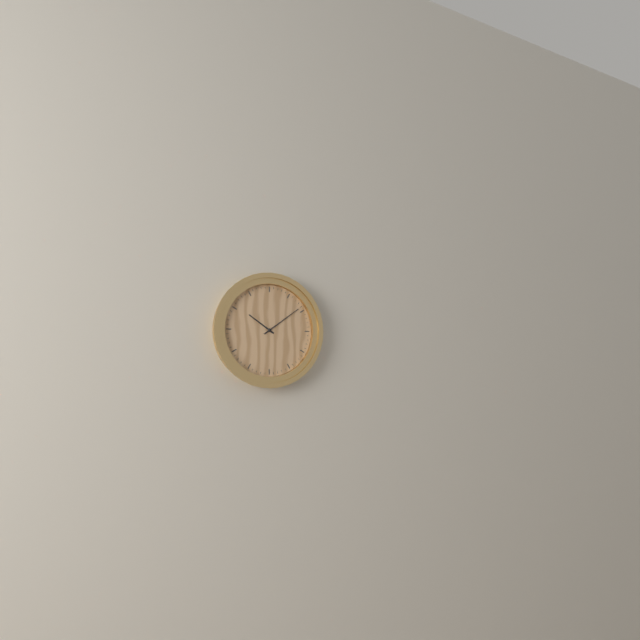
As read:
10:09
